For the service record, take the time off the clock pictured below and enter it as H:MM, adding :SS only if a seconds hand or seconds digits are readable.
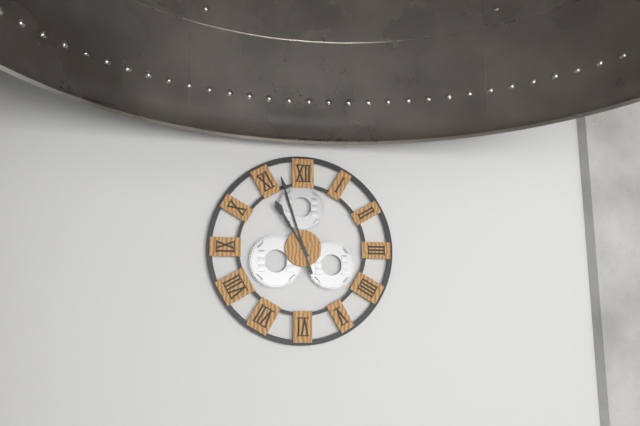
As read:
10:57
